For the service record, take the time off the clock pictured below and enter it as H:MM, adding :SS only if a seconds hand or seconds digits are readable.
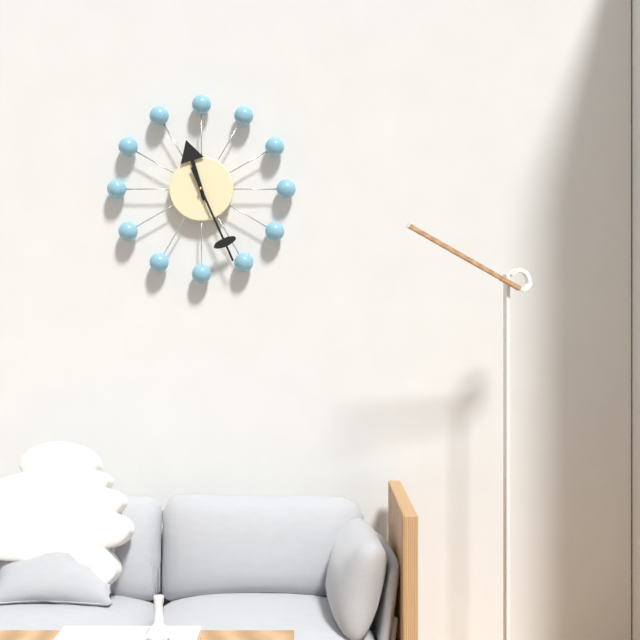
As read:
11:26
